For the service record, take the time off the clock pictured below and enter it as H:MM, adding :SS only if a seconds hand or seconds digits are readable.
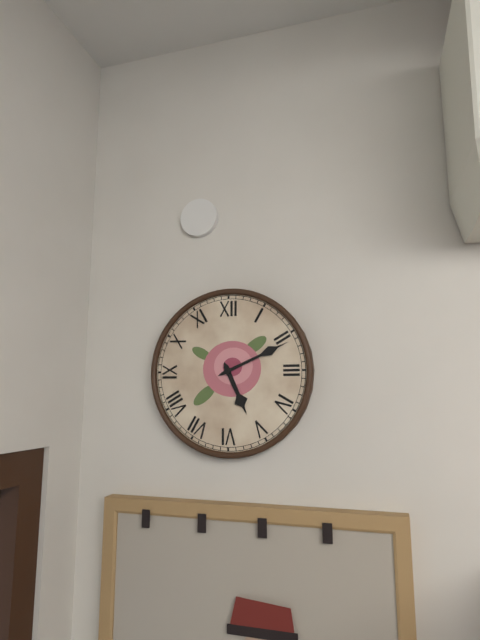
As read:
5:11
